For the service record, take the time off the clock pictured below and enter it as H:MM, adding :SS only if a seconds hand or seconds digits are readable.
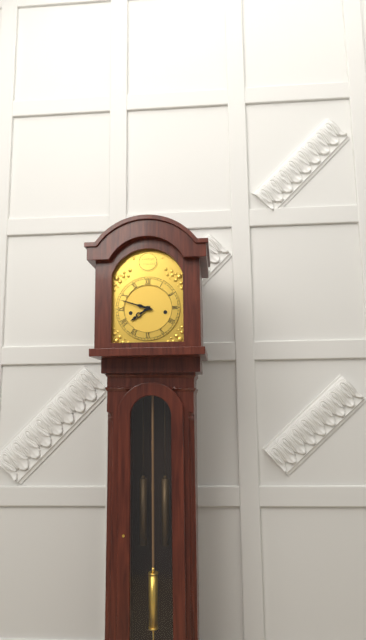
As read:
7:48
